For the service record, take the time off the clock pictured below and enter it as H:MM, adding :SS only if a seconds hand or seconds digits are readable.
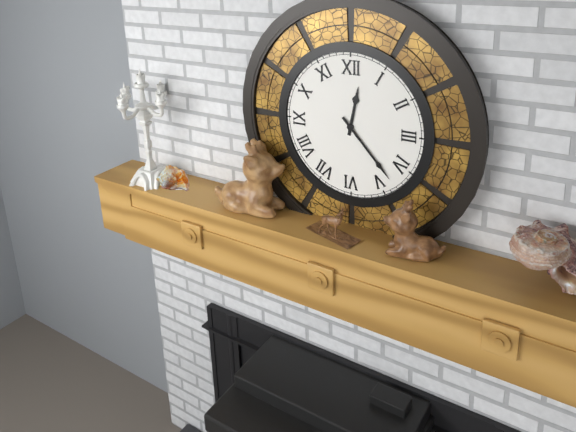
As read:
12:23
